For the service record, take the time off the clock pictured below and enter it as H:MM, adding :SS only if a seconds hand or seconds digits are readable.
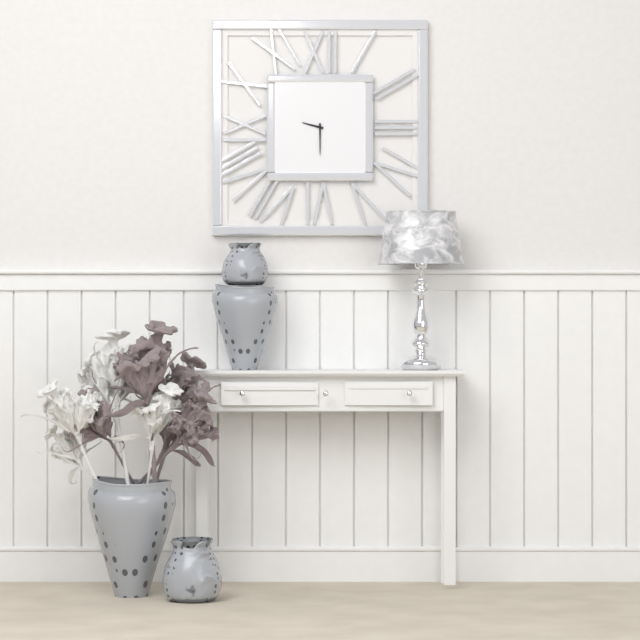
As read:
9:30
